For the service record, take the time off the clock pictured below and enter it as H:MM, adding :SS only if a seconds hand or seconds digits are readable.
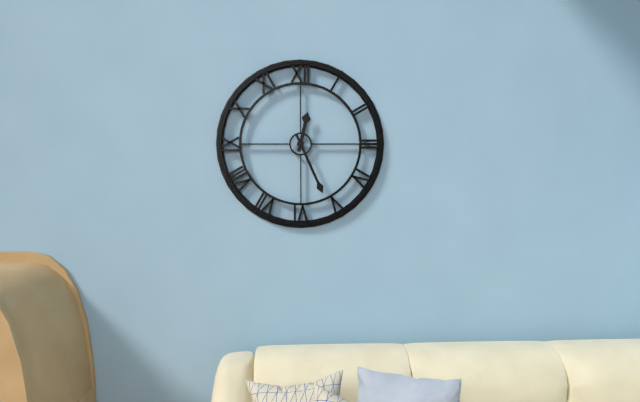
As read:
12:26
